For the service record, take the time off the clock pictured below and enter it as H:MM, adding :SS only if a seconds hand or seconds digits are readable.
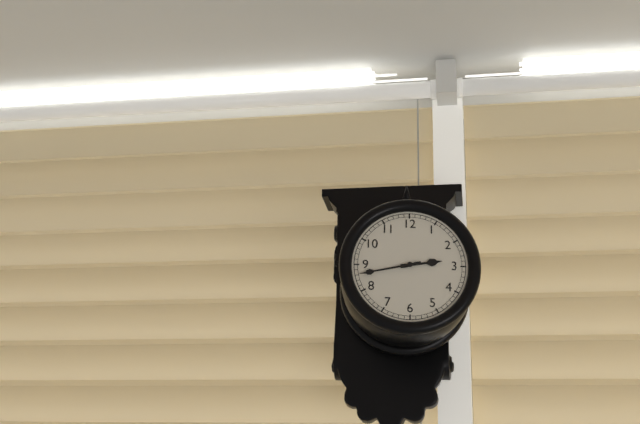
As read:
2:43
